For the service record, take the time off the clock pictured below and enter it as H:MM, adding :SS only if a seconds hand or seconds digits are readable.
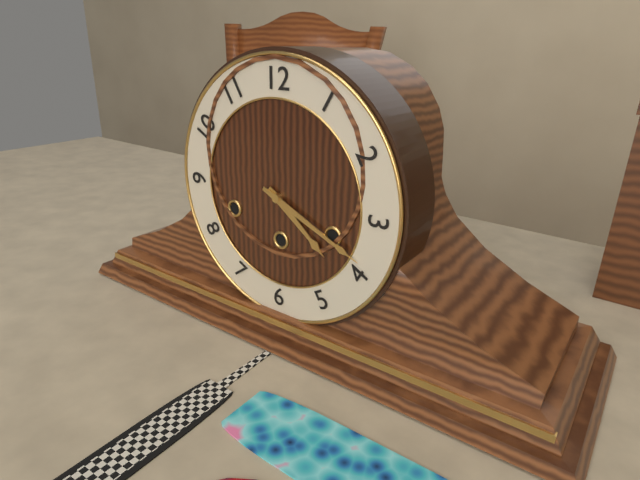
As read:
4:19
